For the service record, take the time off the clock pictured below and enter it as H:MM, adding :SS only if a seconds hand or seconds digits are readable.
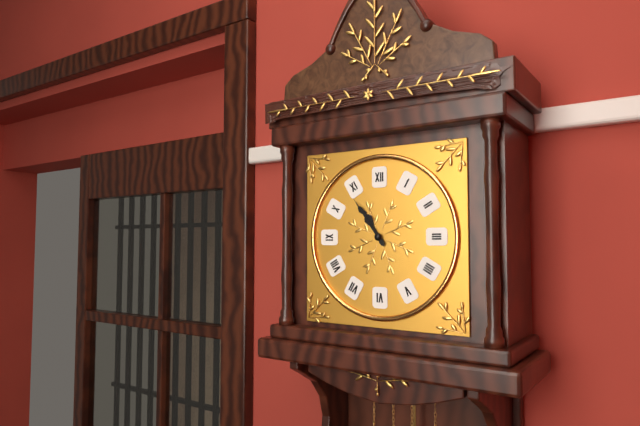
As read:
10:54
